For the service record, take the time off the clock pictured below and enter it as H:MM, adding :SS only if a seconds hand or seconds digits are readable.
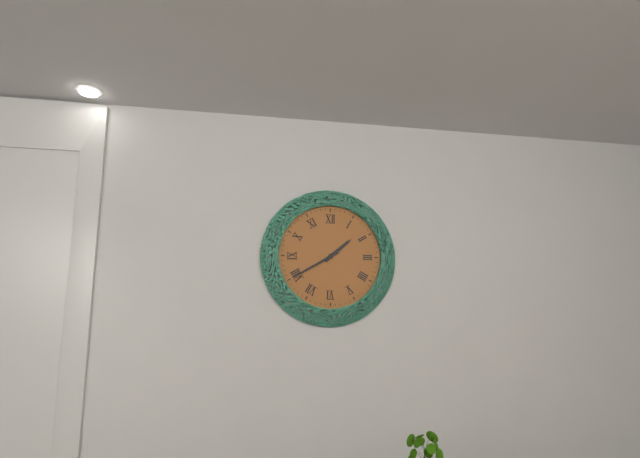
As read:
1:40
